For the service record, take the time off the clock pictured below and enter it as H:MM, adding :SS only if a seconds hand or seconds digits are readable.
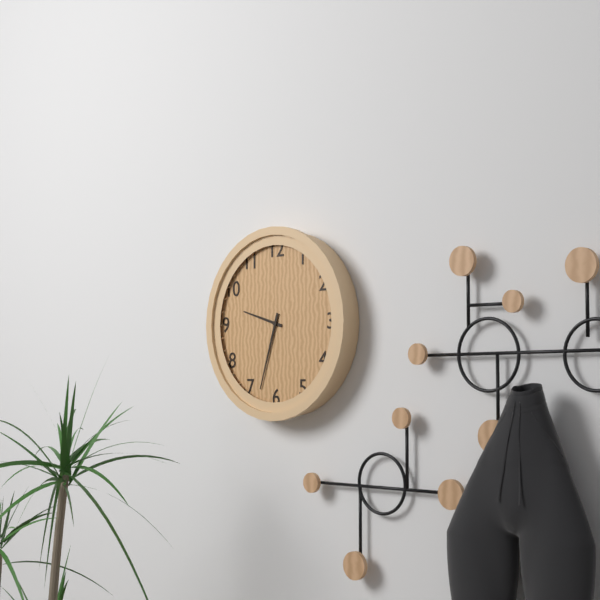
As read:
9:33
